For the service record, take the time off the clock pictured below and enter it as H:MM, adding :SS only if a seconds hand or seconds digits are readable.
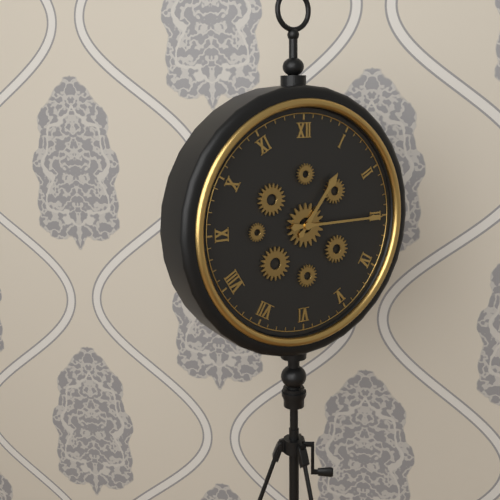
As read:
1:15
